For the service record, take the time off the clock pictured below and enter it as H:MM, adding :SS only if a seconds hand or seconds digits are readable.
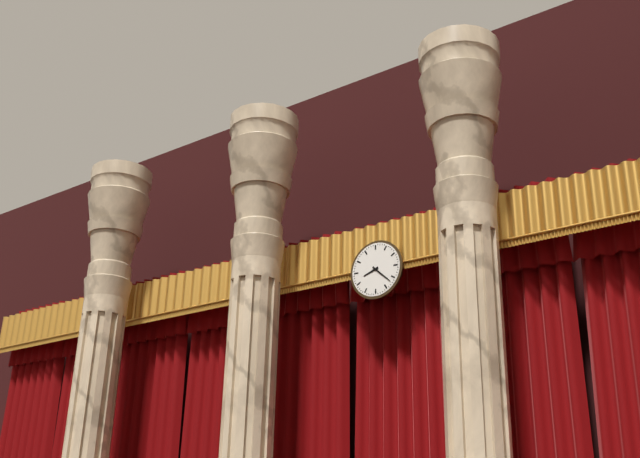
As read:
8:22
